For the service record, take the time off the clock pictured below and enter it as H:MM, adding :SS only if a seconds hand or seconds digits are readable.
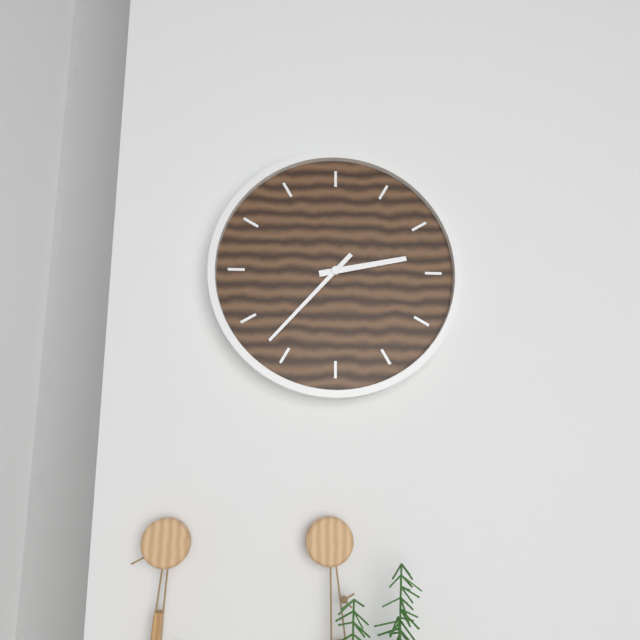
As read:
2:37
